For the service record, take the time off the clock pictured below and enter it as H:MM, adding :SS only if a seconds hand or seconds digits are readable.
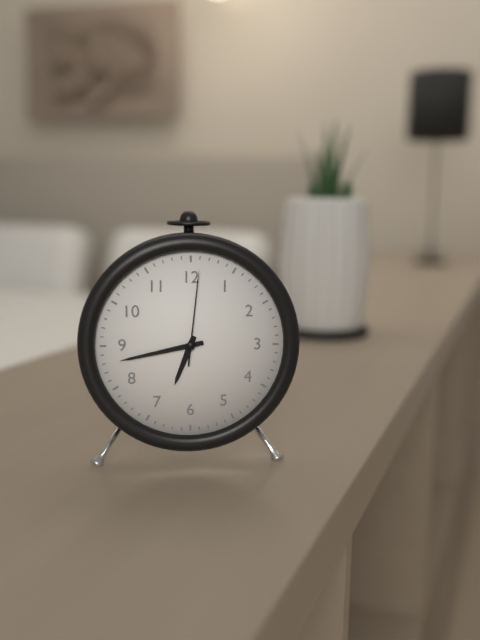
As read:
6:43:01
